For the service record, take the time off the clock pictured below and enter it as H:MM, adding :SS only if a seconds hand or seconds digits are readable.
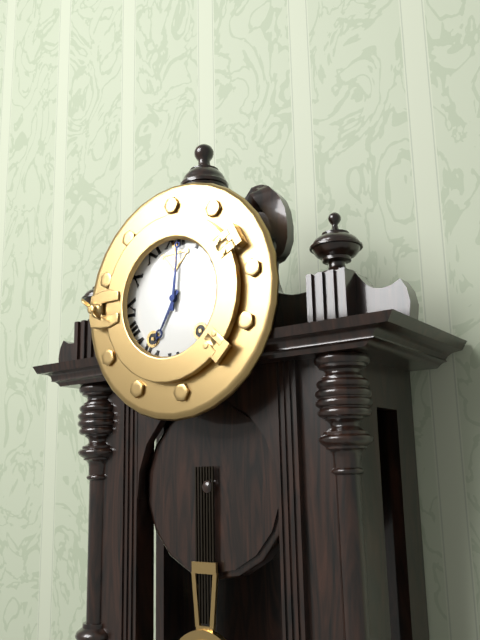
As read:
7:01
